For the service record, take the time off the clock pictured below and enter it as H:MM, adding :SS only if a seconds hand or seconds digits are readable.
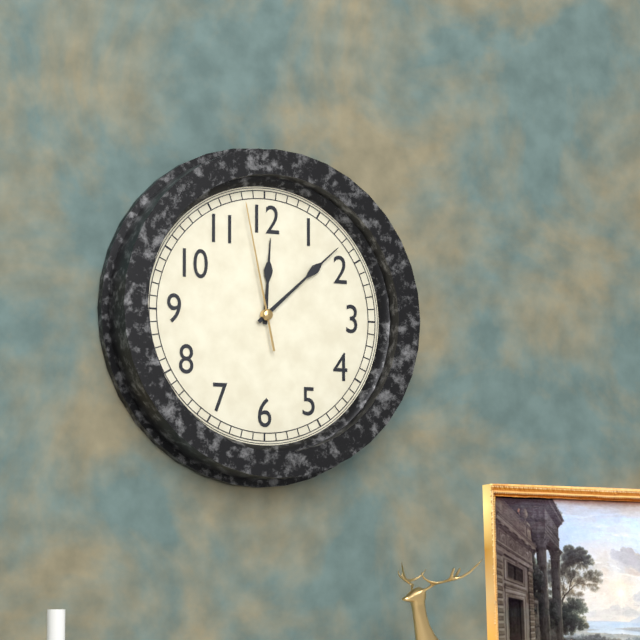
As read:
12:08:58
